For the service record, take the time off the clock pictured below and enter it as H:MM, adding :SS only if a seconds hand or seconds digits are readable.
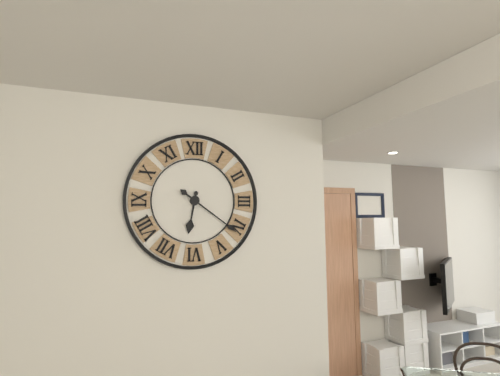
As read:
6:21
